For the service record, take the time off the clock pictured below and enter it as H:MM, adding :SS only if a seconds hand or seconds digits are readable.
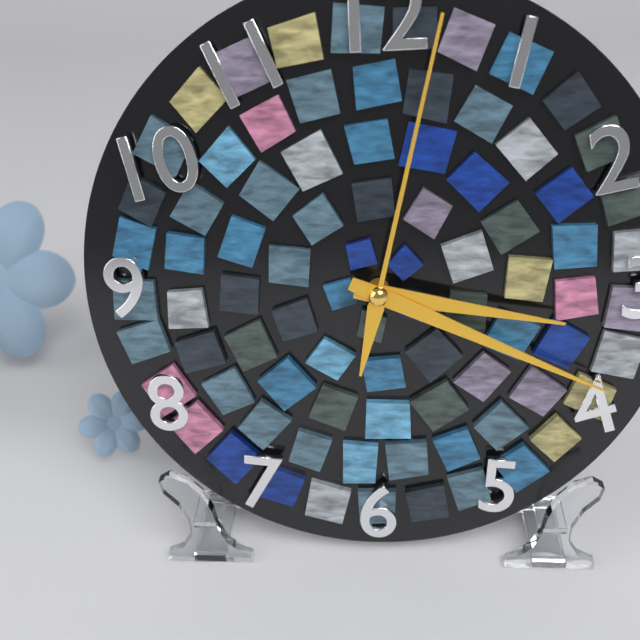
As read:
3:19:02
